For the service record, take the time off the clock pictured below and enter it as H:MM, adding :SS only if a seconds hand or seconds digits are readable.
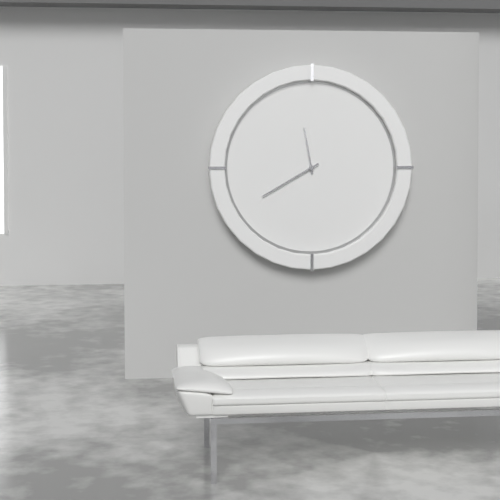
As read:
11:40
